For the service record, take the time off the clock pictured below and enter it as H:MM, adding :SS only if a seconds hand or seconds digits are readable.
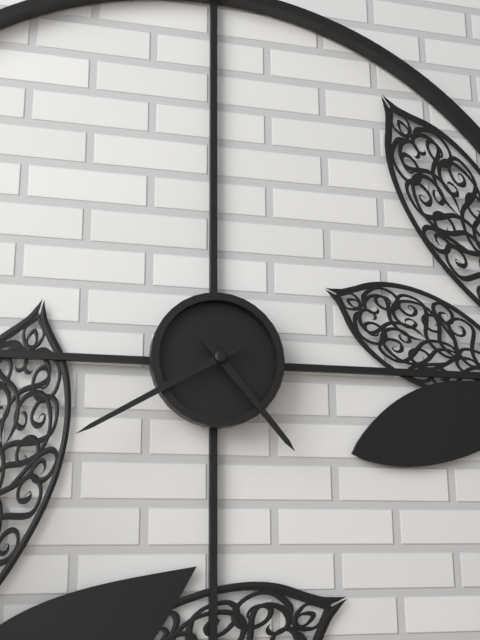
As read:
4:40
